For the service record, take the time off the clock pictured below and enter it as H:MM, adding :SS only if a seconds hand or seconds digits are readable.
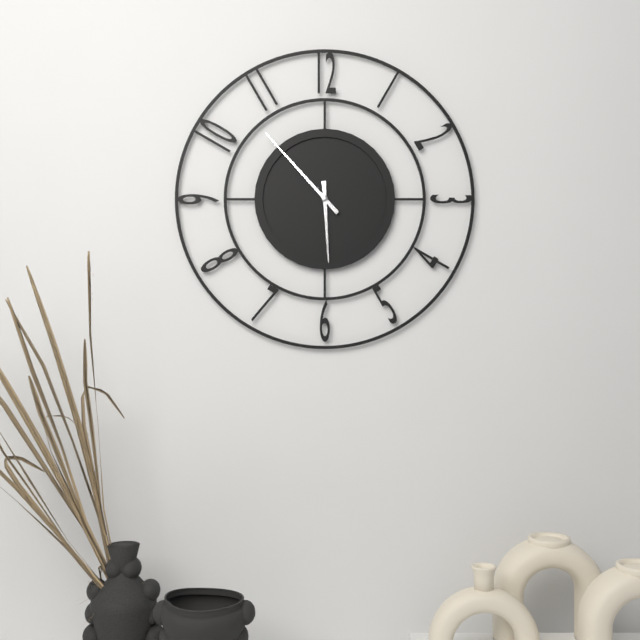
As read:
5:53
